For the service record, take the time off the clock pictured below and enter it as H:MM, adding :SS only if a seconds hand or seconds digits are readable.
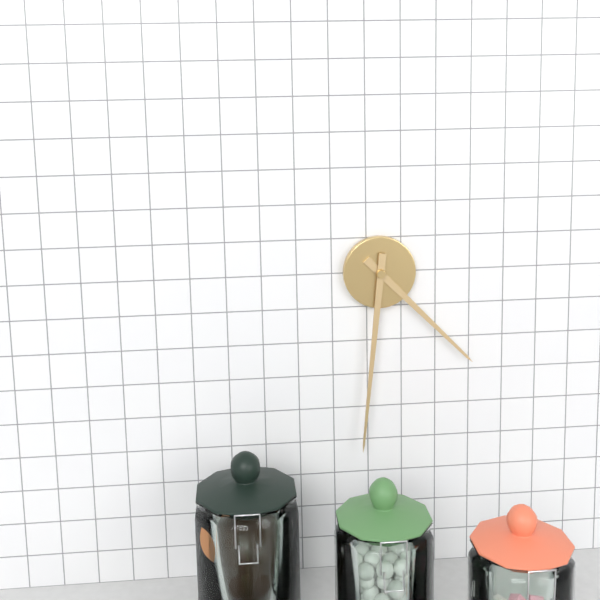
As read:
4:31
